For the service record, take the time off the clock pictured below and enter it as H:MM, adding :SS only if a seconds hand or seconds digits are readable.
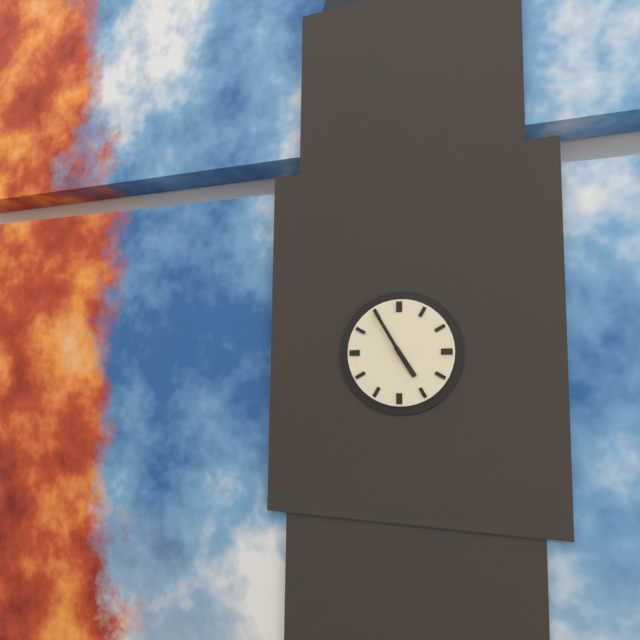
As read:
4:55
